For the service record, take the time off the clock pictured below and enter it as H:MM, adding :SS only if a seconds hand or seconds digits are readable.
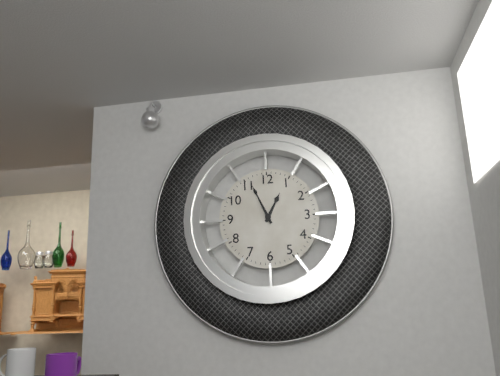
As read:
12:56
